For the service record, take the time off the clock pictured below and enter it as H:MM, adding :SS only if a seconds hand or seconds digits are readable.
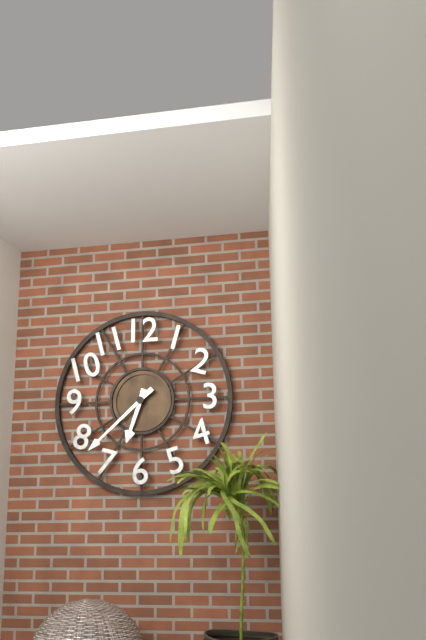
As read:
6:38
